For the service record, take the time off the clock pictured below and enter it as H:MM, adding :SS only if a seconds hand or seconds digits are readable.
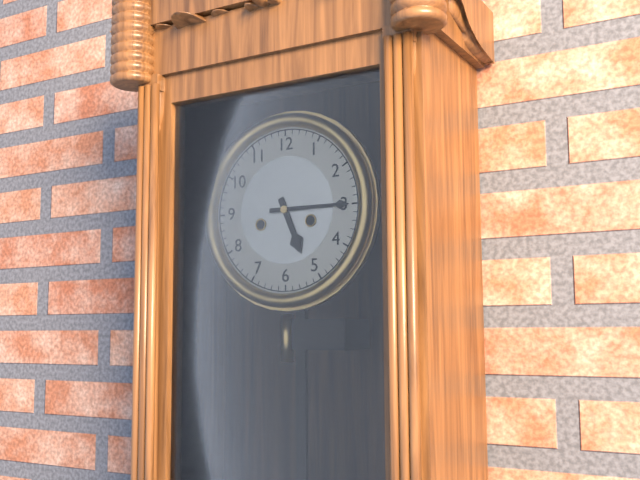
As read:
5:15
